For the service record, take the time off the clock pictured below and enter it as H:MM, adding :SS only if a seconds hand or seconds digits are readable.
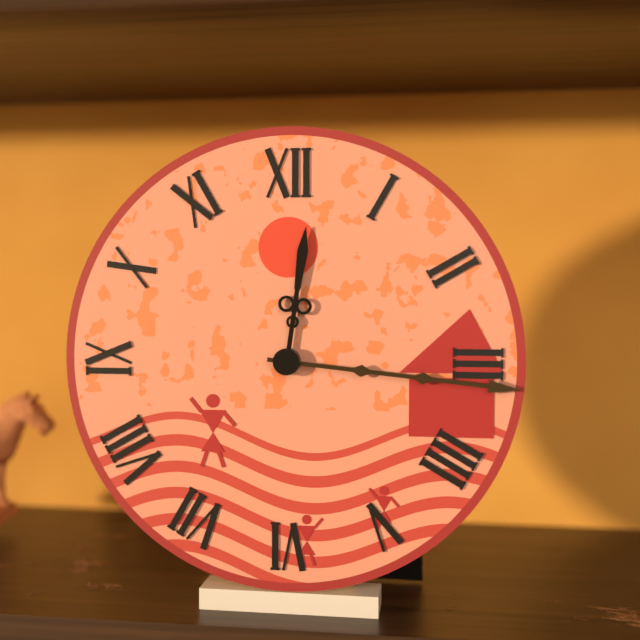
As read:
12:16
